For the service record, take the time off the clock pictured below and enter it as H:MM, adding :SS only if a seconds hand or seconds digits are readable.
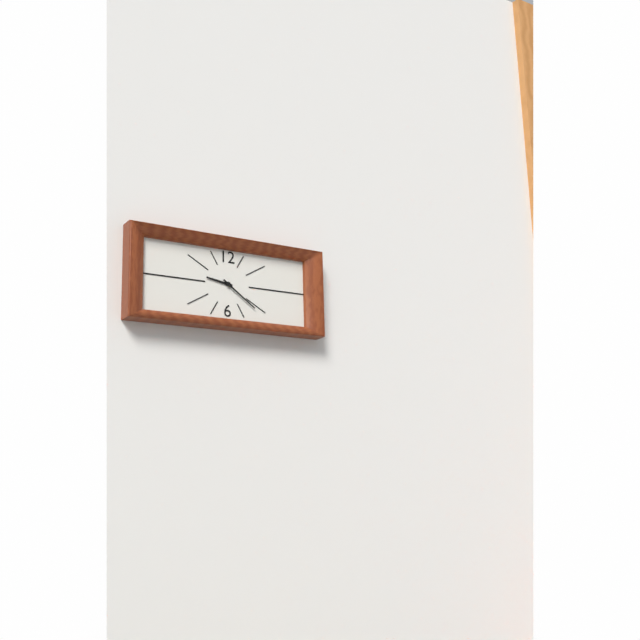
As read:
9:21
